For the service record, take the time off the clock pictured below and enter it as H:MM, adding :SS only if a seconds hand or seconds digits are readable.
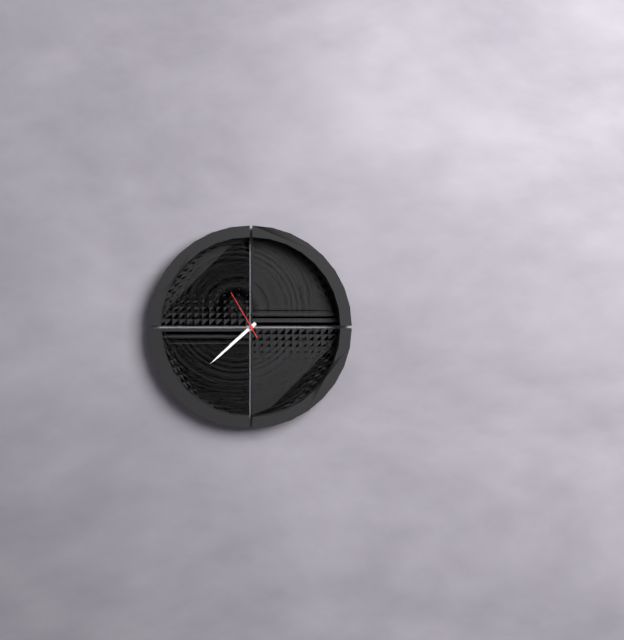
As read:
7:38:55
